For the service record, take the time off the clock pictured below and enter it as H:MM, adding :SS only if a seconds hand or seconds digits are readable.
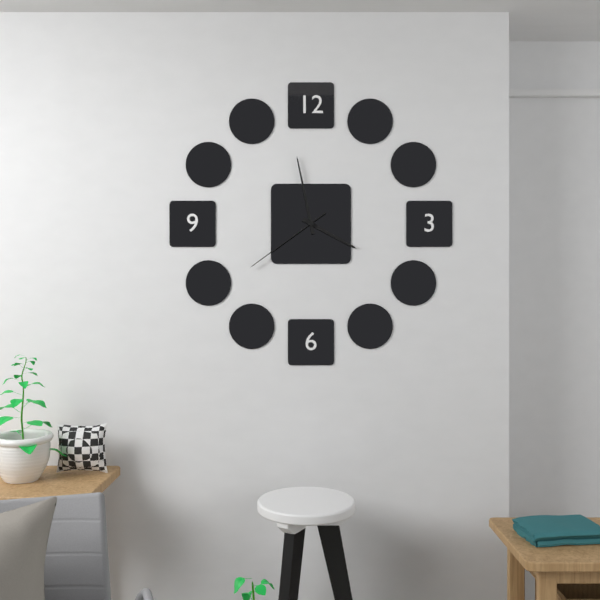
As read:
3:58:39
